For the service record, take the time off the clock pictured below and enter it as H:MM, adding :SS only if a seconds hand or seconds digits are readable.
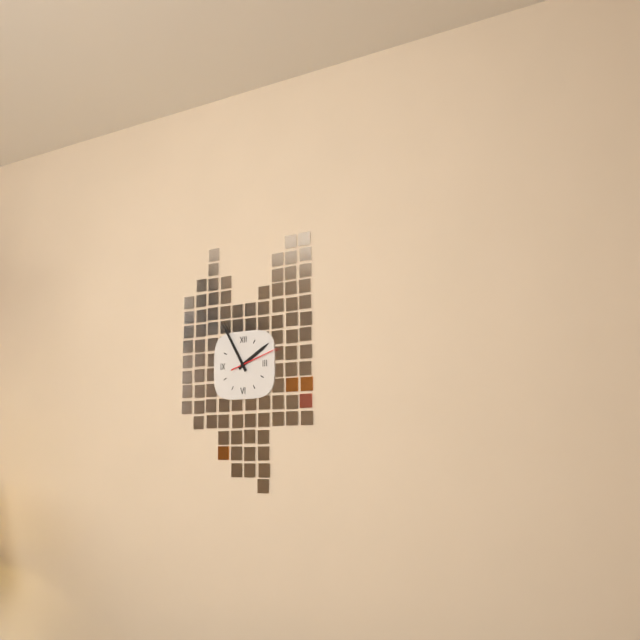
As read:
1:55:12
